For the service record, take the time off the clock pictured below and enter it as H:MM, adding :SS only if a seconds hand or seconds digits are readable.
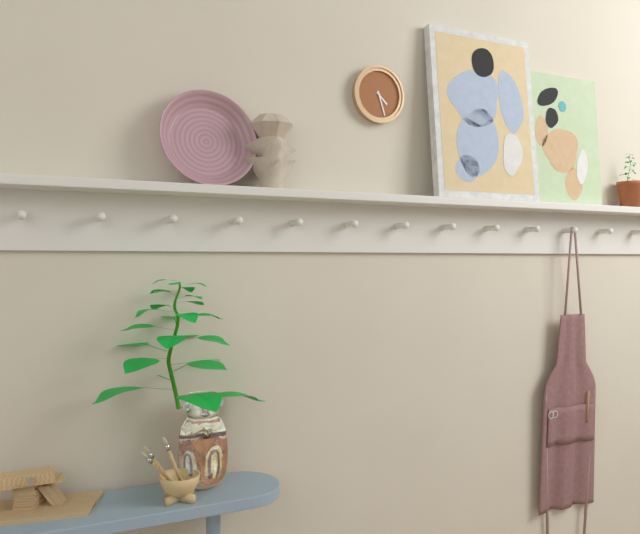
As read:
4:27
